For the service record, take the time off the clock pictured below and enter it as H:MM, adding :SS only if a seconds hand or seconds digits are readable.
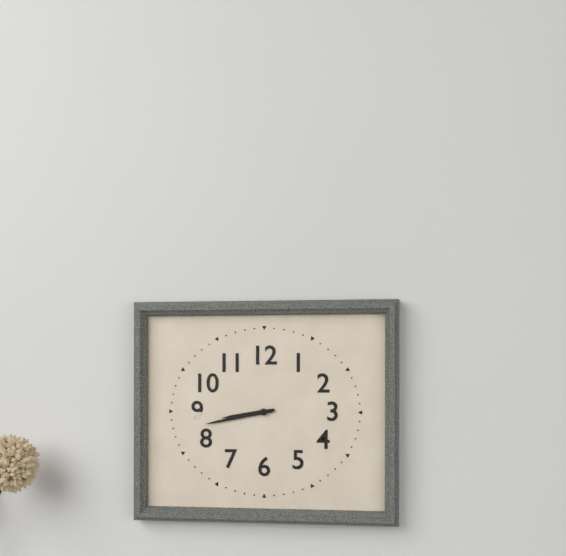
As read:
8:43
